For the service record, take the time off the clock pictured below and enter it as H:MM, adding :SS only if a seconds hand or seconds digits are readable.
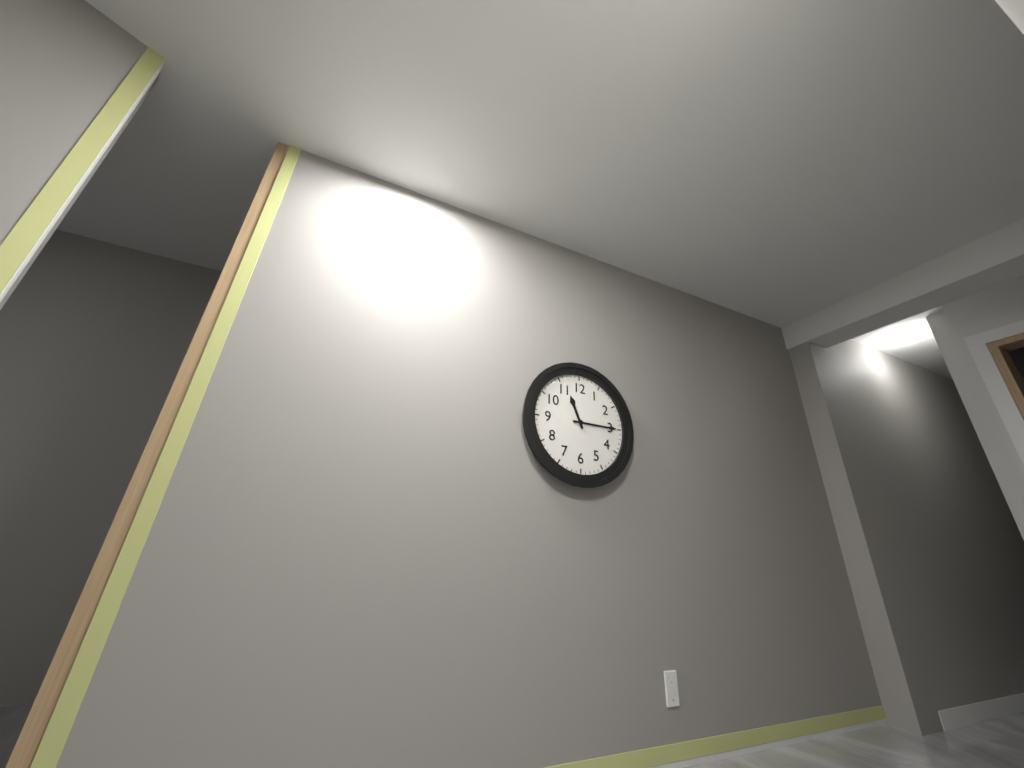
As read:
11:15
